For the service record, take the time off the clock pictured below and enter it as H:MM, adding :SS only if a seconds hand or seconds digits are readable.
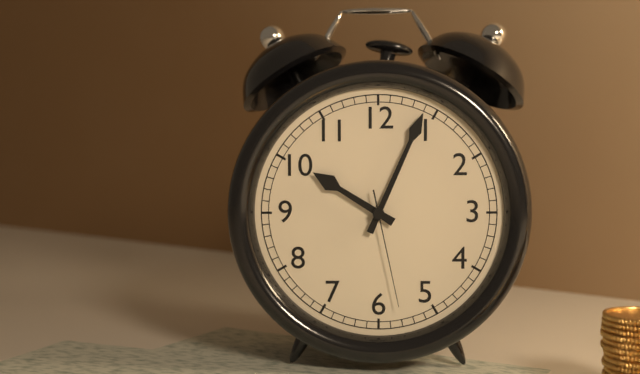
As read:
10:04:28
